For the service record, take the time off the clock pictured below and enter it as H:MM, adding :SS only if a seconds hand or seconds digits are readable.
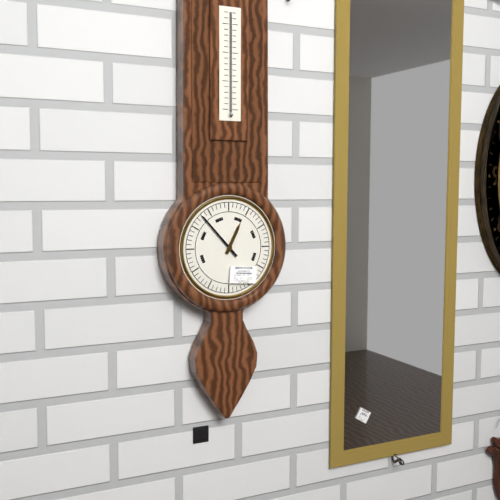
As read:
12:53
